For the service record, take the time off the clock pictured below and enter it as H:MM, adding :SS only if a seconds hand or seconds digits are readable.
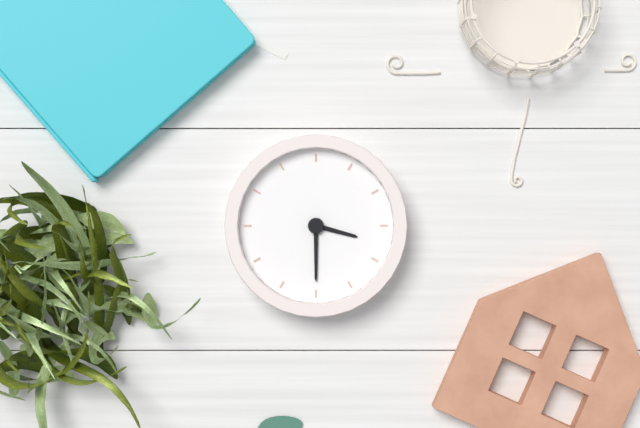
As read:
3:30
